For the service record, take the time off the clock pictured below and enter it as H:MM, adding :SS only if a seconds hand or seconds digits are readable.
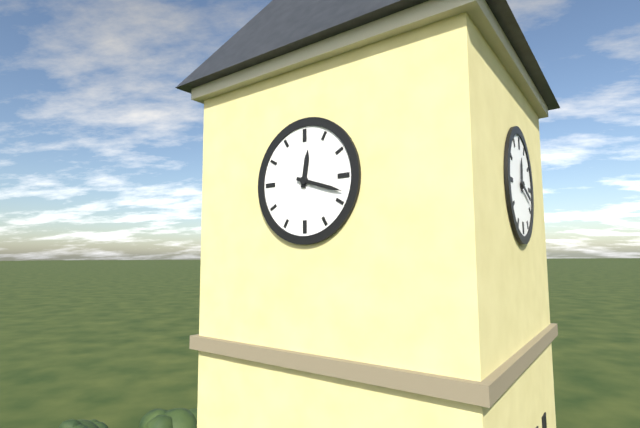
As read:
12:18
